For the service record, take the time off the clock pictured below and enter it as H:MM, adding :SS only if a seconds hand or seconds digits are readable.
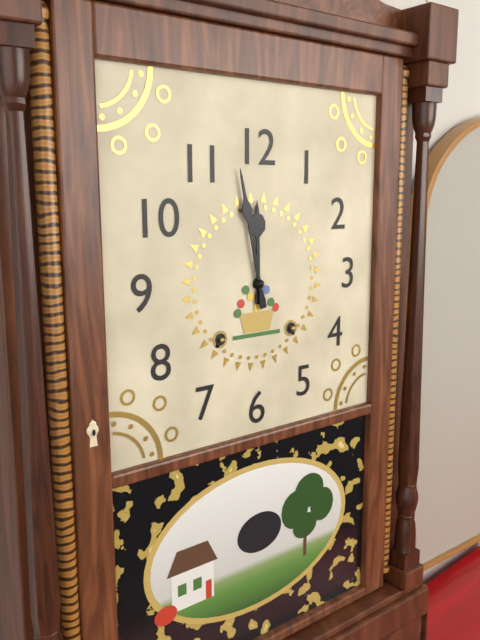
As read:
11:58
